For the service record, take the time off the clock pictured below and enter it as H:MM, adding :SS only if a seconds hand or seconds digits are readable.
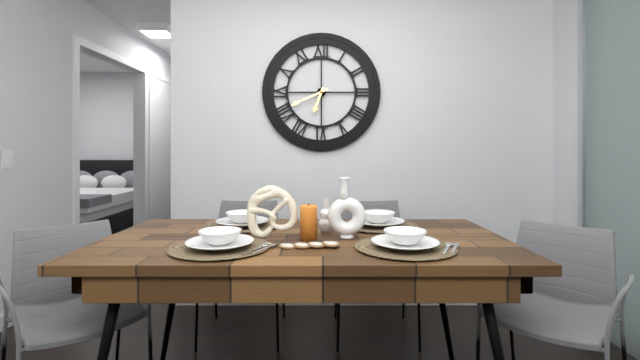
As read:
6:41
